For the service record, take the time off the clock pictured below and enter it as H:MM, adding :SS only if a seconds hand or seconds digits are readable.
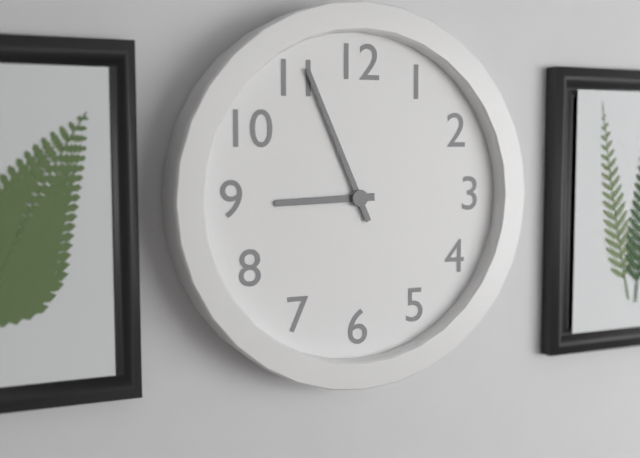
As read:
8:56
